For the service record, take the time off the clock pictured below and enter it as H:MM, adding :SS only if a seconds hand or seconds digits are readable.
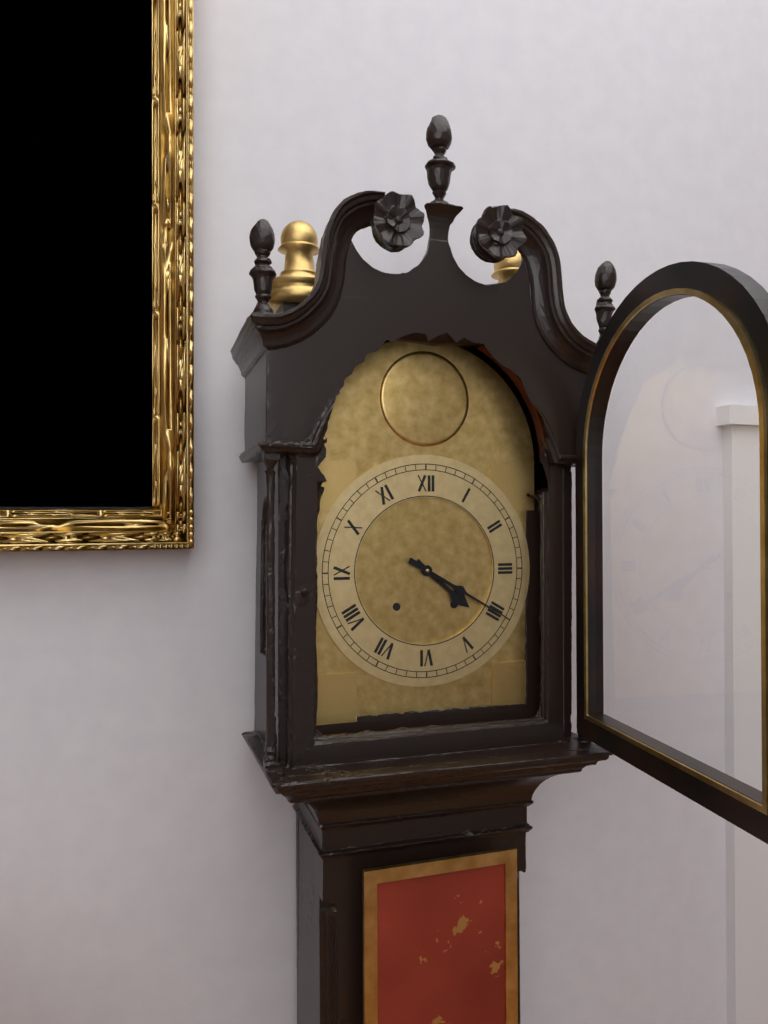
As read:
4:20
